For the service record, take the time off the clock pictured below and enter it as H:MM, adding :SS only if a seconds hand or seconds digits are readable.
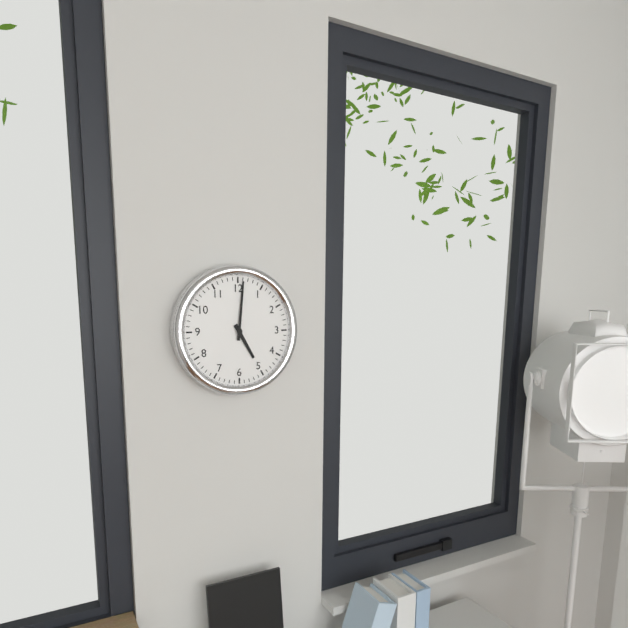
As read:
5:01
